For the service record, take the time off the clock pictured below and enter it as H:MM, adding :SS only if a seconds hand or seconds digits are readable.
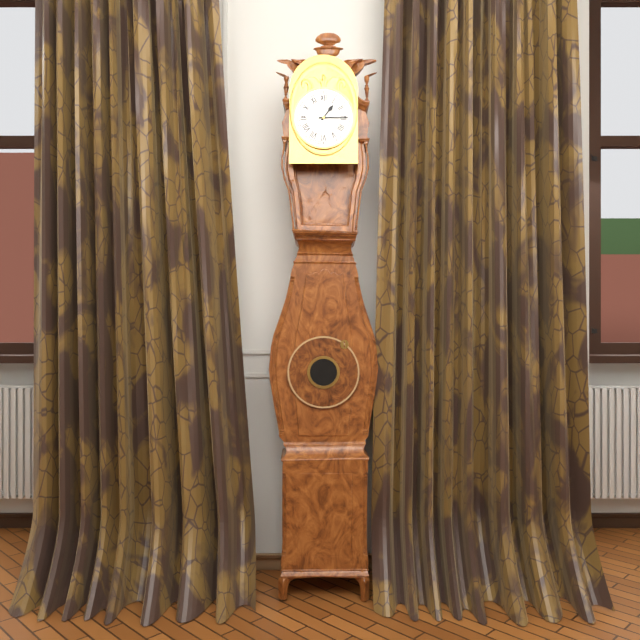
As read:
1:15
